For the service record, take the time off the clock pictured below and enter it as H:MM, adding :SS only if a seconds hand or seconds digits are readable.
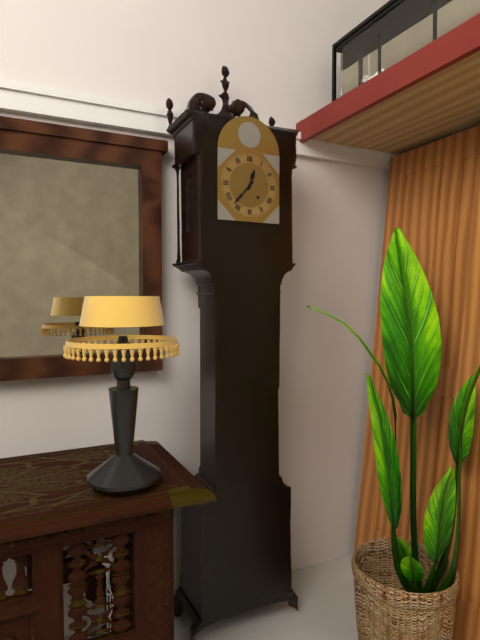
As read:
12:37
